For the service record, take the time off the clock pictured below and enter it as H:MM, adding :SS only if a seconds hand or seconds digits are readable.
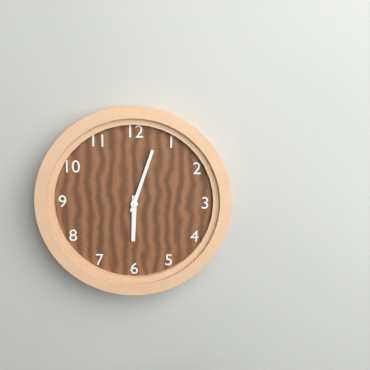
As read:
6:03
